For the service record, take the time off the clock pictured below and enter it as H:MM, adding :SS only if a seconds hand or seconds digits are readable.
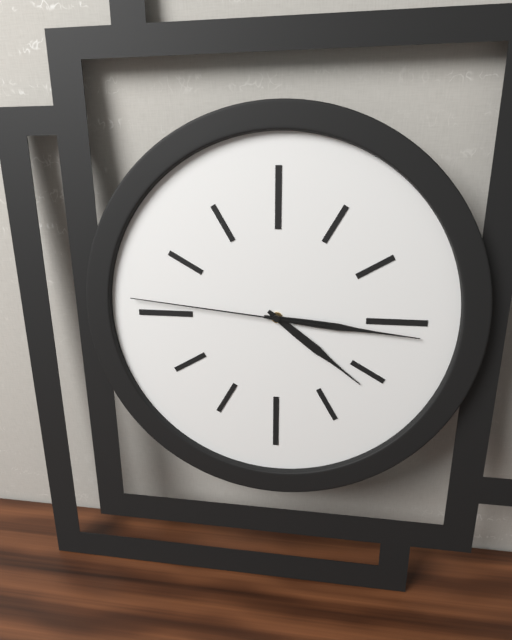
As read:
4:16:46
